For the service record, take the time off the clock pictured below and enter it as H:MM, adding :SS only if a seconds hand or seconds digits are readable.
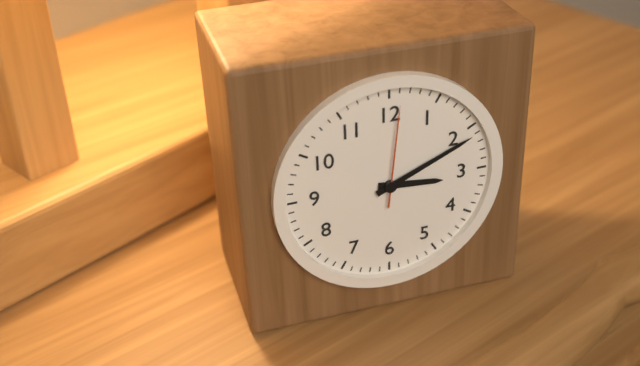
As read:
3:11:01
